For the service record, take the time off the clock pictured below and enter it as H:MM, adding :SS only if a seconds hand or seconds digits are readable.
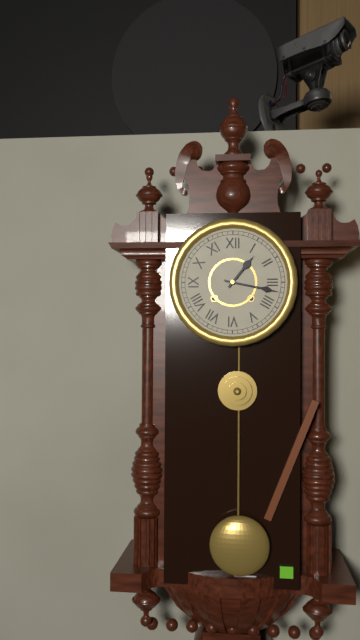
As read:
1:17
